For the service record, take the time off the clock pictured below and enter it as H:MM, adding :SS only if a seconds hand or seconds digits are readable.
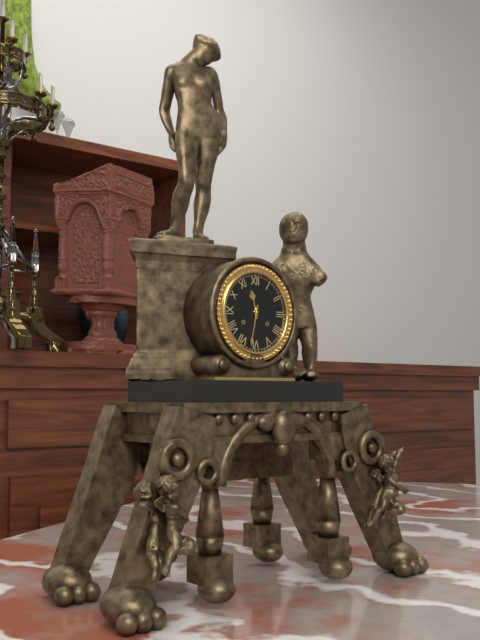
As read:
11:32
